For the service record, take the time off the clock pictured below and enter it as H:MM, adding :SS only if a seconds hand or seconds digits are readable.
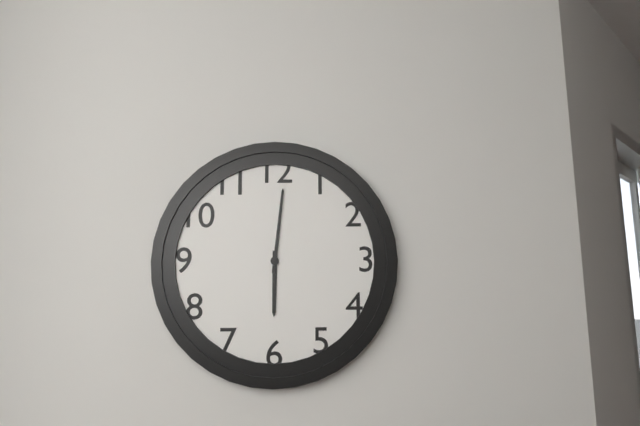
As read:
6:01
